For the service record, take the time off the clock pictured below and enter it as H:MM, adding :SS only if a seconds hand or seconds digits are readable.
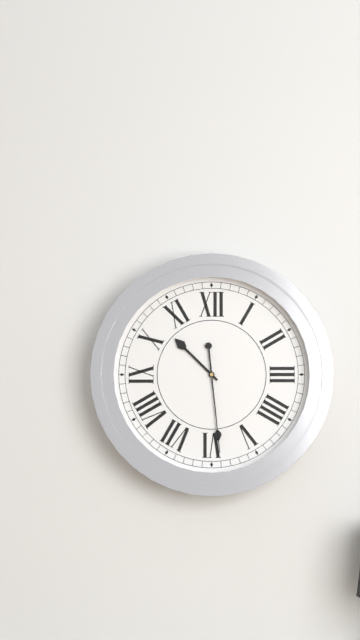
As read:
10:29
